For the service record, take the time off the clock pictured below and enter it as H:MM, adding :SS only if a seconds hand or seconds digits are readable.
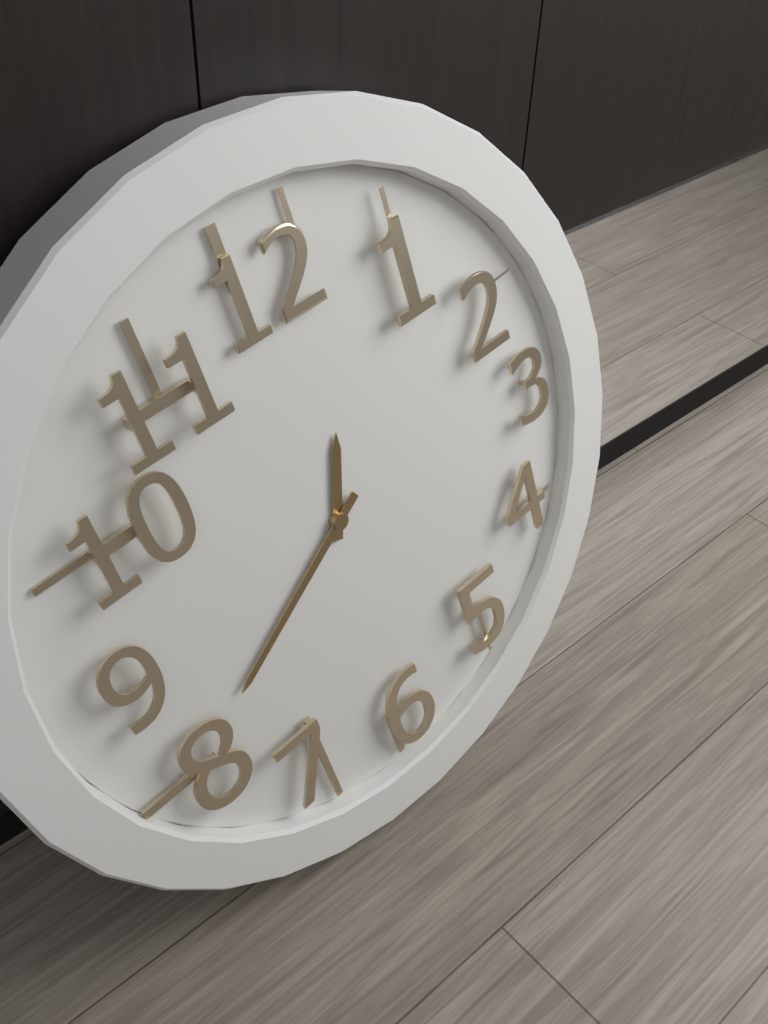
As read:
12:40
